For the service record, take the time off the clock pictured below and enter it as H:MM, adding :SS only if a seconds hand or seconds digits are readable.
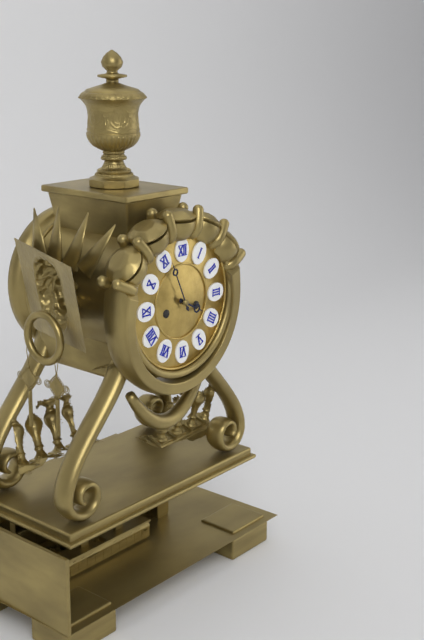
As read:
3:56
